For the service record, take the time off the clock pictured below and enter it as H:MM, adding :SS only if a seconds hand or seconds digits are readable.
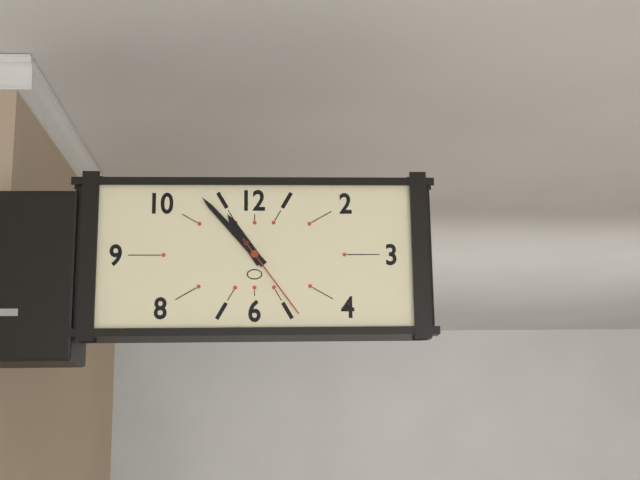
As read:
10:53:24
